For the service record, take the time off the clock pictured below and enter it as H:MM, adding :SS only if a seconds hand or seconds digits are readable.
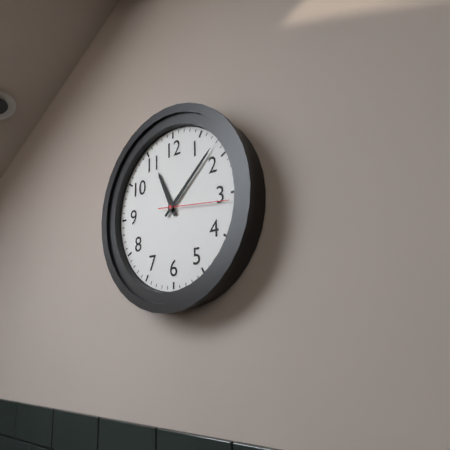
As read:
11:08:16
